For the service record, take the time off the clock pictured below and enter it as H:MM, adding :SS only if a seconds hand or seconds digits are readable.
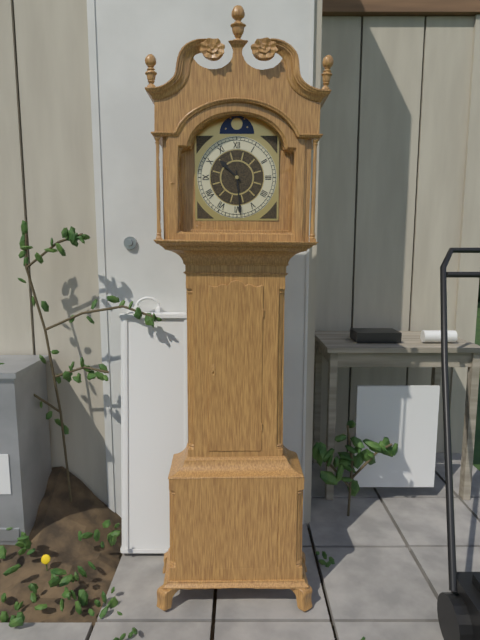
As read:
10:29
